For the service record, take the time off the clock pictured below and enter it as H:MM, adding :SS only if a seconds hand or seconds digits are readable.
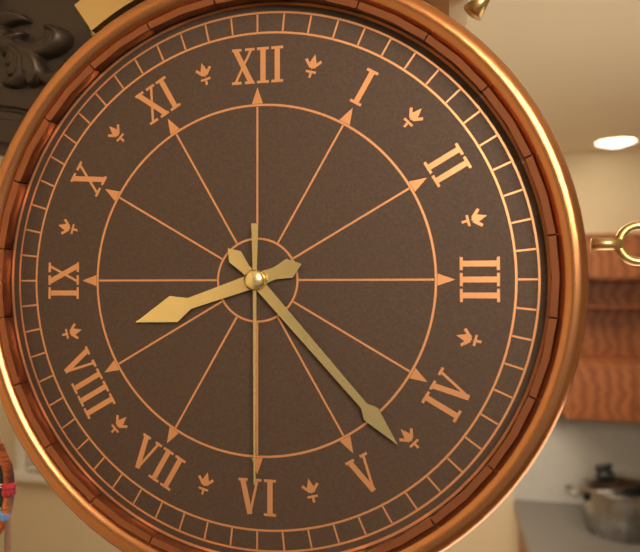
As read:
8:23:30
